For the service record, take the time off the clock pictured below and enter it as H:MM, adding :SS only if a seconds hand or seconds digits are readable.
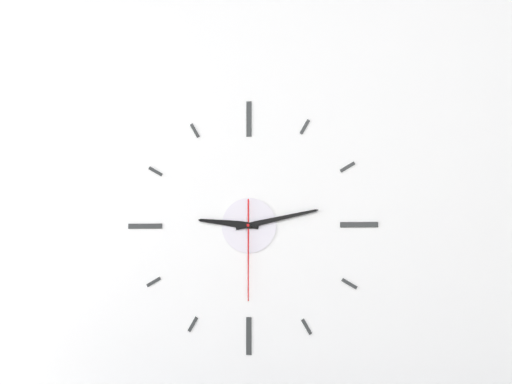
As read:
9:13:30
